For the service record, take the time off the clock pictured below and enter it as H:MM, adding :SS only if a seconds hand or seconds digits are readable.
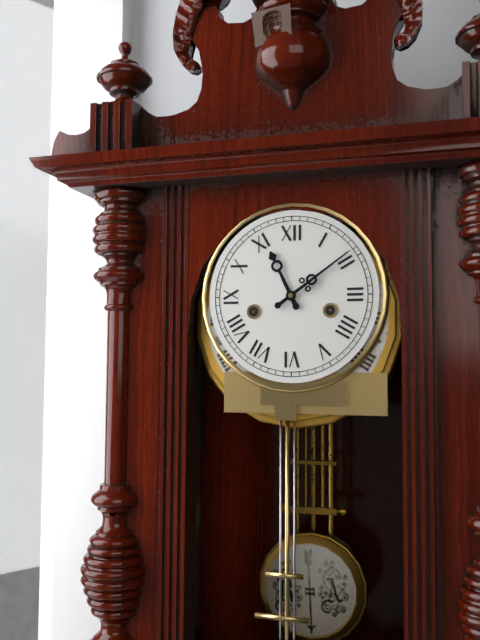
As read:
11:09
